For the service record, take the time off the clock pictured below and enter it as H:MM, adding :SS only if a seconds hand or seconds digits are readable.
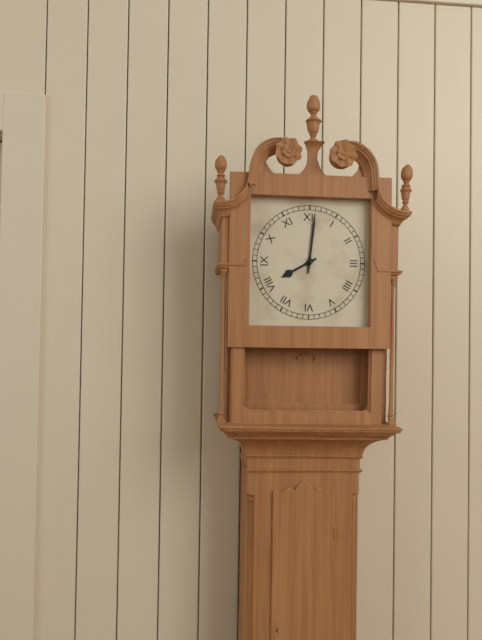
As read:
8:01
